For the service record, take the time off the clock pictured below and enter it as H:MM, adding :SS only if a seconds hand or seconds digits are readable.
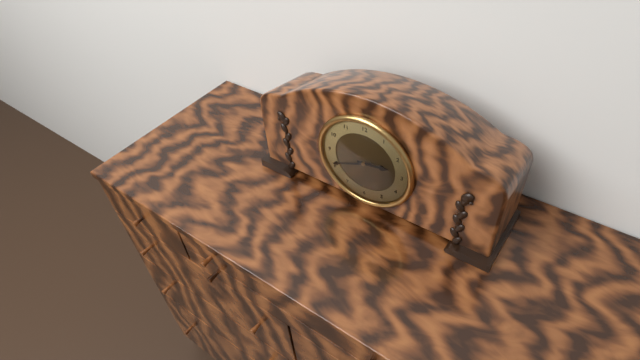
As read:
2:41
